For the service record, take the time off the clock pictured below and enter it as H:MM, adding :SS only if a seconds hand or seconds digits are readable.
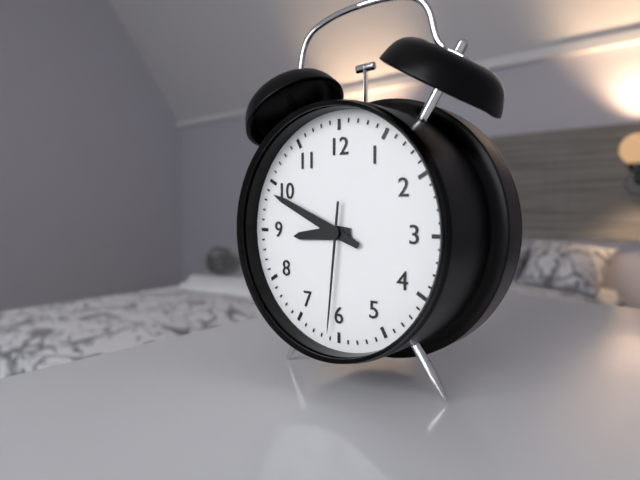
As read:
8:49:31
